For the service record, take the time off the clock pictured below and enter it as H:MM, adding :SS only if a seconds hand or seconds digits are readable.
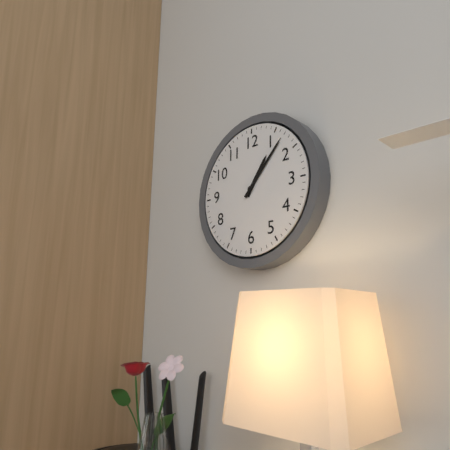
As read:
1:07
